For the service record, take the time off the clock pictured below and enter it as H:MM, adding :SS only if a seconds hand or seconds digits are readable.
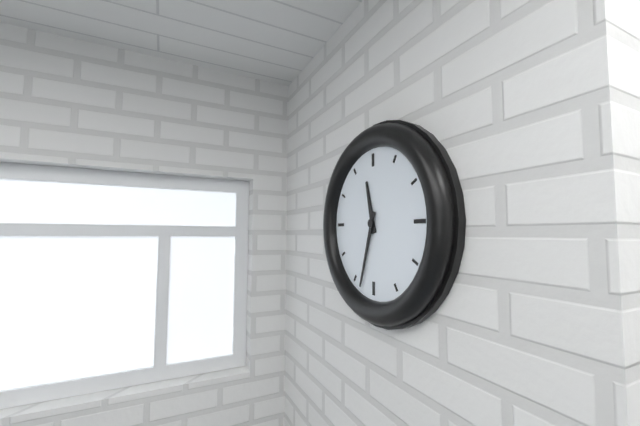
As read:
11:33
